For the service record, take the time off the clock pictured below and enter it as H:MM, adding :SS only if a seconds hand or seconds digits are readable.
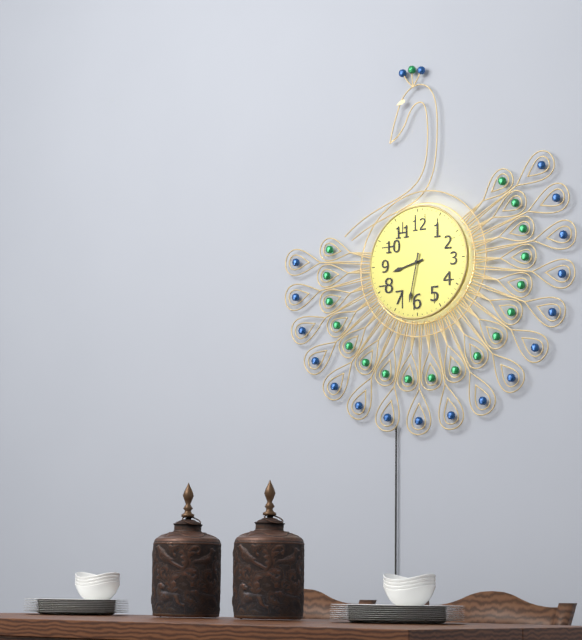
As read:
8:32
